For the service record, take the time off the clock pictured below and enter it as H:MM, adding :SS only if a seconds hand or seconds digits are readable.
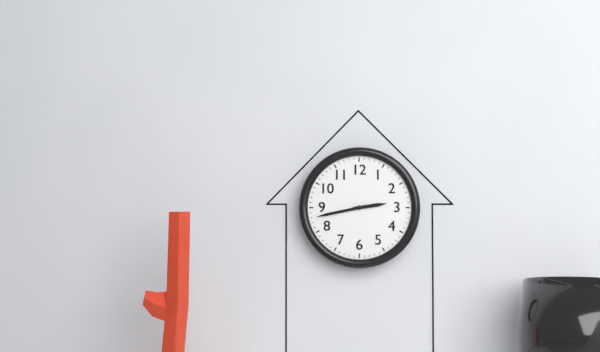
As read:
2:43
